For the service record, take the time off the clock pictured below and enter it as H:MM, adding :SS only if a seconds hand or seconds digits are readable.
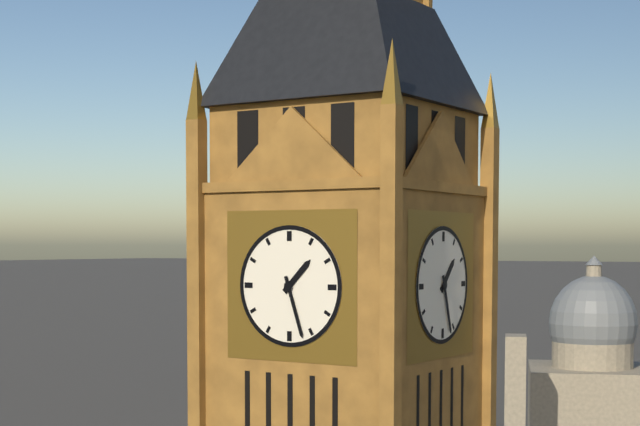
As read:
1:27
